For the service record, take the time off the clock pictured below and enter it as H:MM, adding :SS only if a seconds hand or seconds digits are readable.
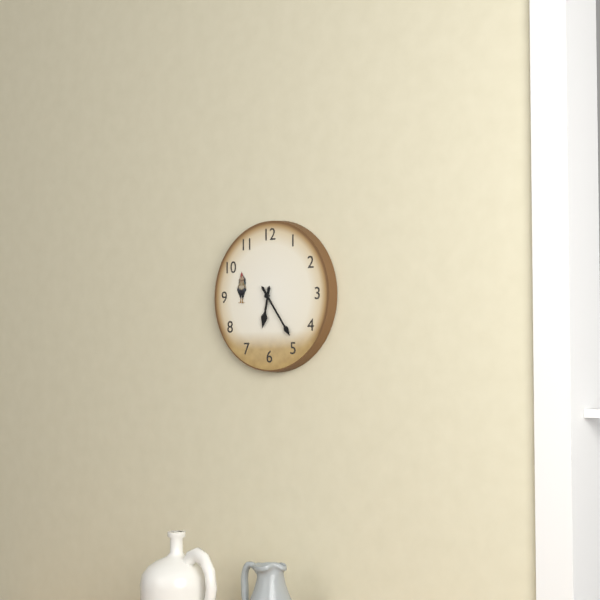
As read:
6:24
